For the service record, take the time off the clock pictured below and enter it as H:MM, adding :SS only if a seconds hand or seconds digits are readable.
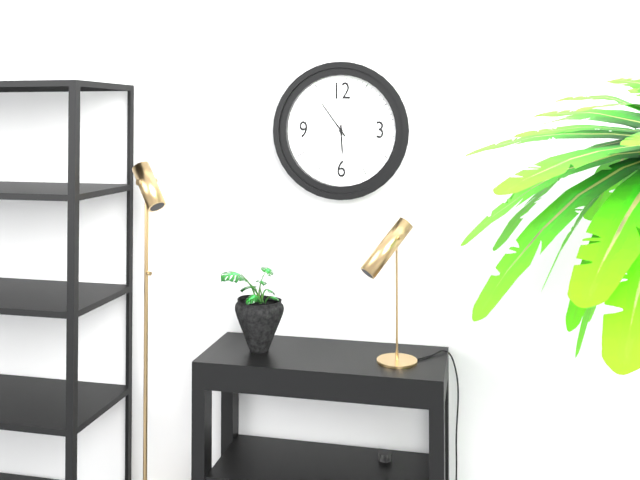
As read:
5:54
